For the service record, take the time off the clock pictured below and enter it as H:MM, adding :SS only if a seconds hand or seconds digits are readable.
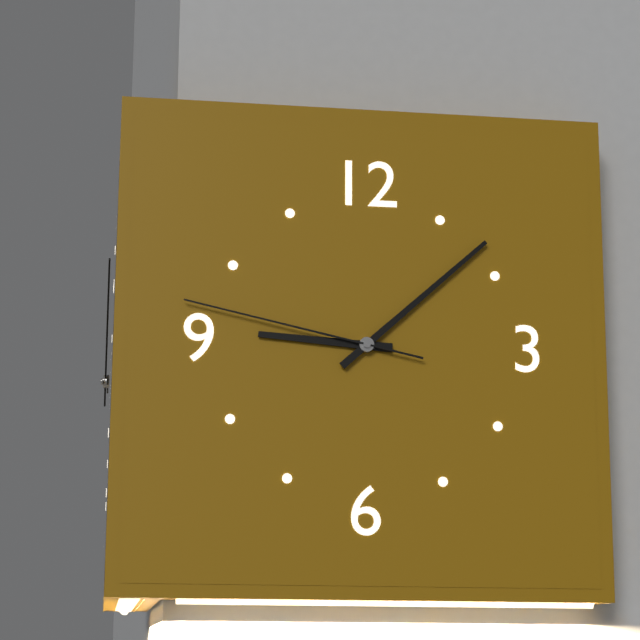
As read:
9:08:47
